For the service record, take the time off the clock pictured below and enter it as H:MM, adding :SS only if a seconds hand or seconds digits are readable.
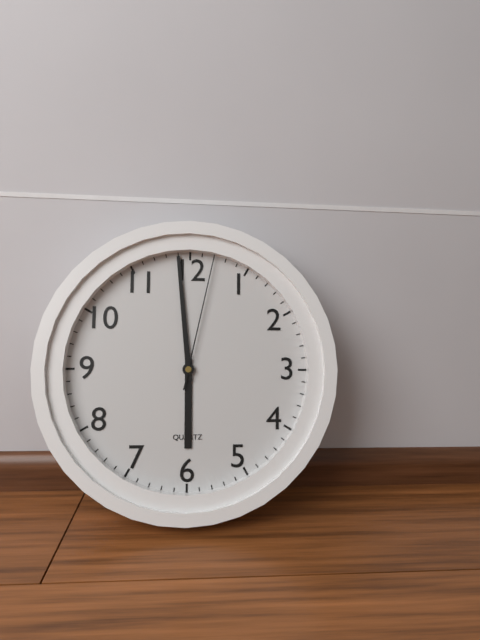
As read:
5:59:02
